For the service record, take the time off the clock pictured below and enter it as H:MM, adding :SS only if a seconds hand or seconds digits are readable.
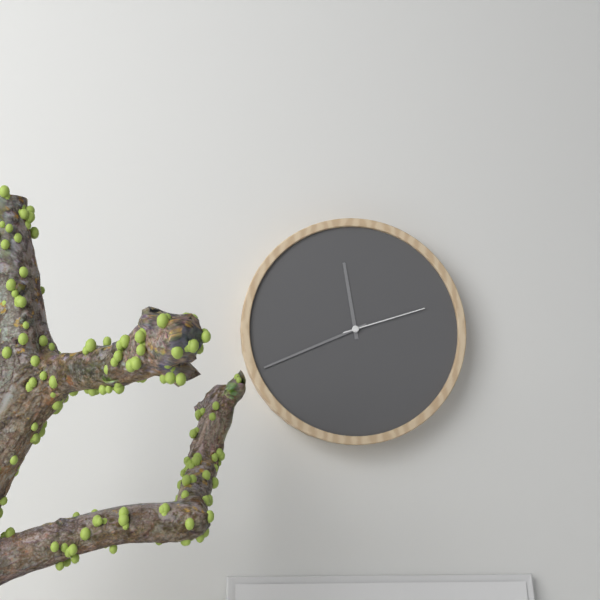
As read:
11:41:12
